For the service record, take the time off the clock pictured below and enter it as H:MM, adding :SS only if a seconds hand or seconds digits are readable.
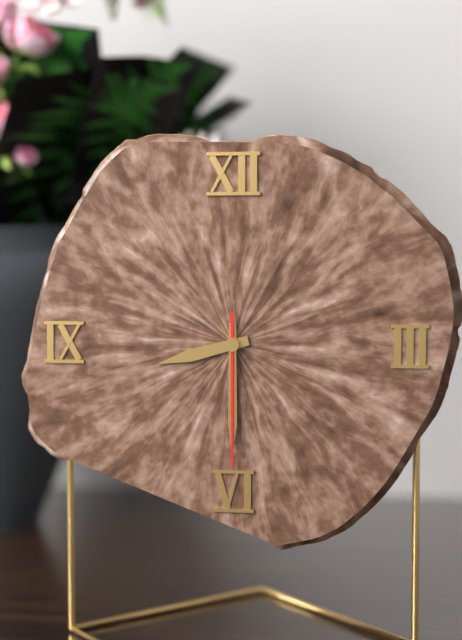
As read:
8:30:30
